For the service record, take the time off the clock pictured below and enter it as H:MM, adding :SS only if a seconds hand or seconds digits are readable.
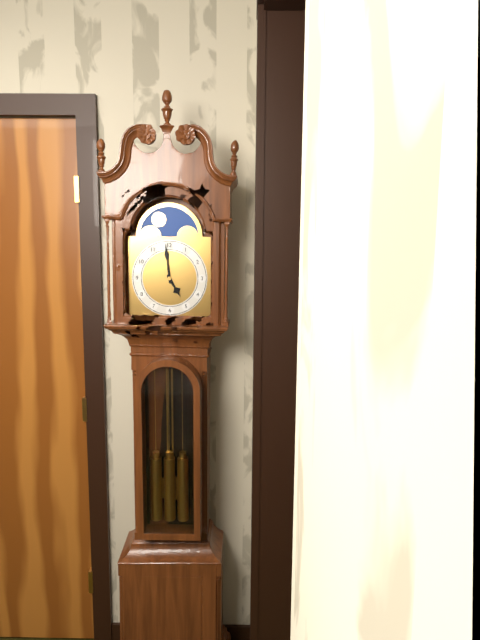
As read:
4:59
